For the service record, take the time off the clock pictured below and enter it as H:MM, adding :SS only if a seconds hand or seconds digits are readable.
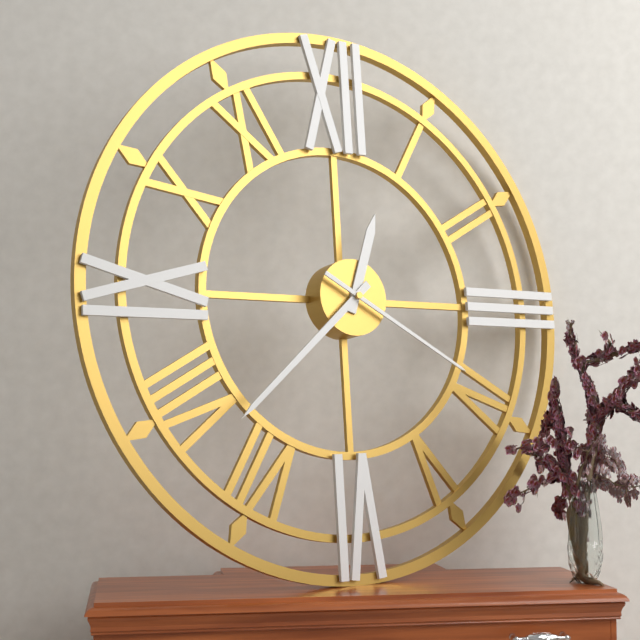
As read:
12:38:20
